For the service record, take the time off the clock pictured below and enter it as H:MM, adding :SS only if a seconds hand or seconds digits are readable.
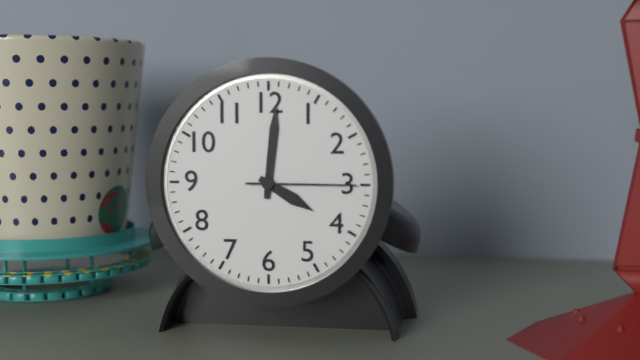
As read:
4:01:15
